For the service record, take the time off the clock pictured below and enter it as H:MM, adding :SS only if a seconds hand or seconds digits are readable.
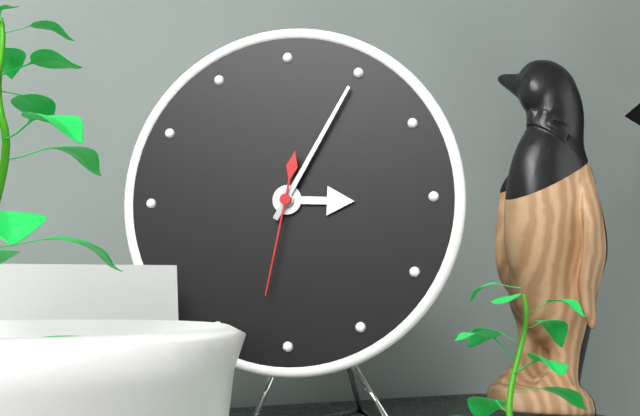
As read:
3:05:32
